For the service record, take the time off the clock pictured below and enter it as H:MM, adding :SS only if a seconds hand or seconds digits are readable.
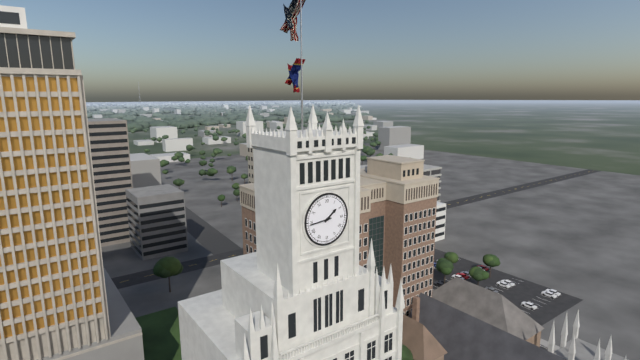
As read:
1:44
